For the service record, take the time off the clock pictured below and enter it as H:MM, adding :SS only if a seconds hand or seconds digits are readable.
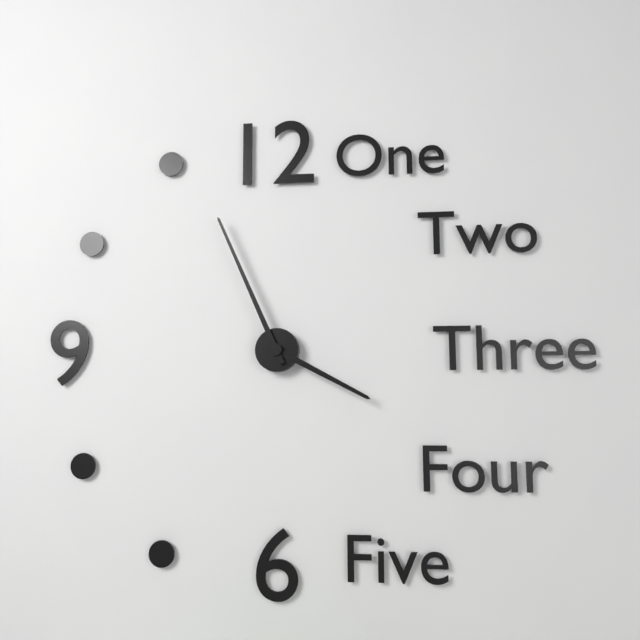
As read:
3:56
